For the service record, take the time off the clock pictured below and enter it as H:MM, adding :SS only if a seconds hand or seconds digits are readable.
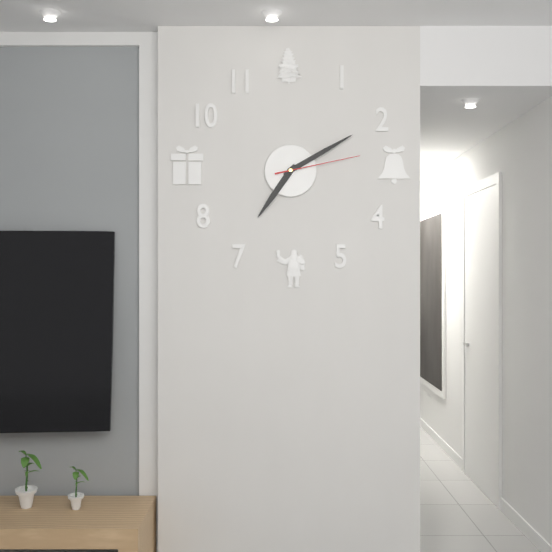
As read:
7:10:13
